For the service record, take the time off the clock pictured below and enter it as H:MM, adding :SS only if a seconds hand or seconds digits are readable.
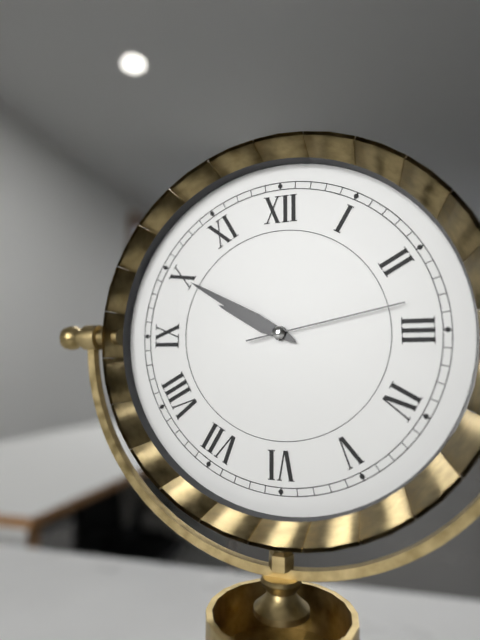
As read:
9:50:13
